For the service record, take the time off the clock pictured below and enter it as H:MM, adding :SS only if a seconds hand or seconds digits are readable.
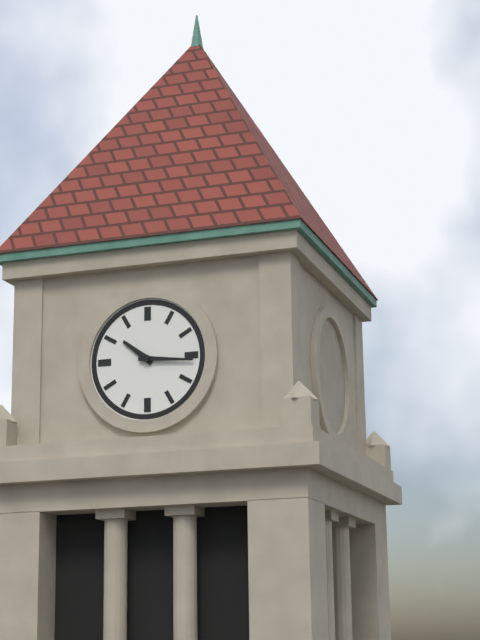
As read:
10:16
